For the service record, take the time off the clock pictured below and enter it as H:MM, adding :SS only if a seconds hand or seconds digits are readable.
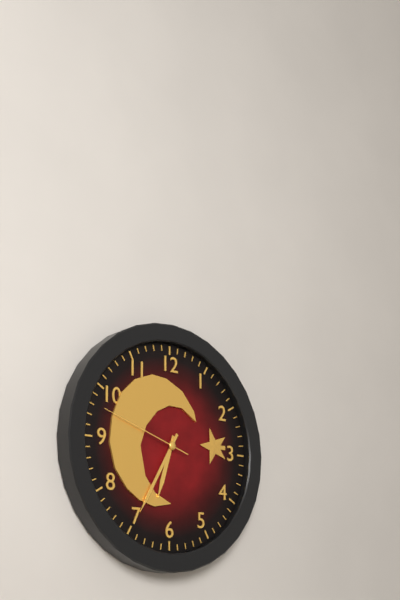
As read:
6:35:48
